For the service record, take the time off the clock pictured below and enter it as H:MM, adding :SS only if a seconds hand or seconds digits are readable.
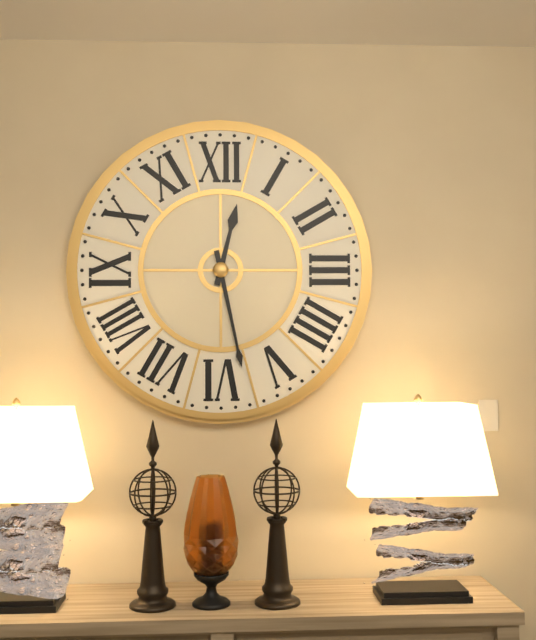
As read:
12:28
